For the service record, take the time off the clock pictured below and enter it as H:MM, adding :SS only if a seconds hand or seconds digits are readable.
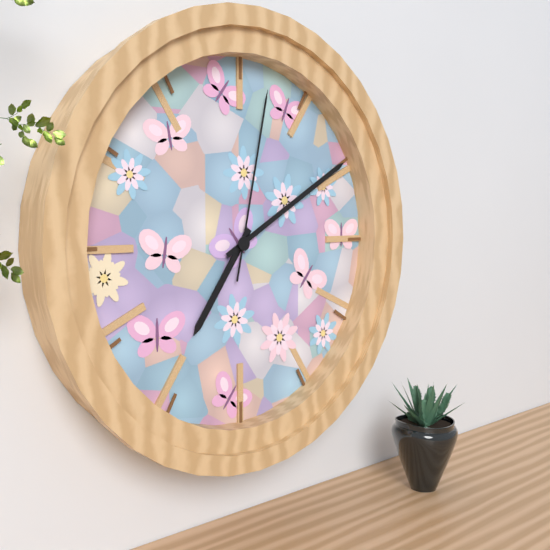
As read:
7:10:02
